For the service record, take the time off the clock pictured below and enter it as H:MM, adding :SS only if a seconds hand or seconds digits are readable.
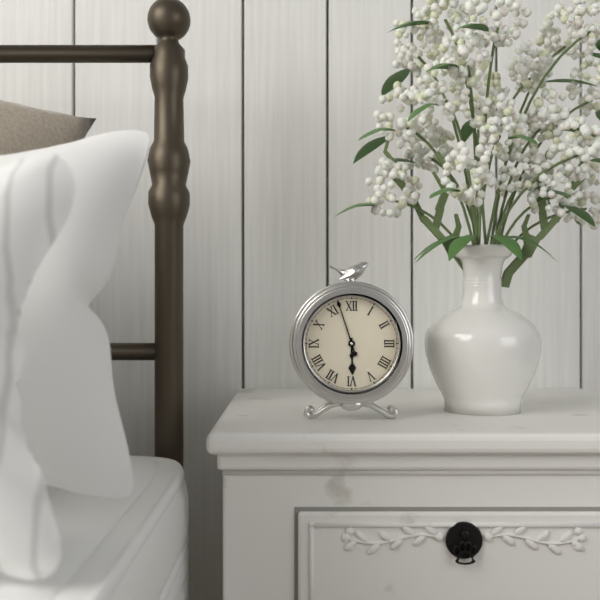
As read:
5:57
